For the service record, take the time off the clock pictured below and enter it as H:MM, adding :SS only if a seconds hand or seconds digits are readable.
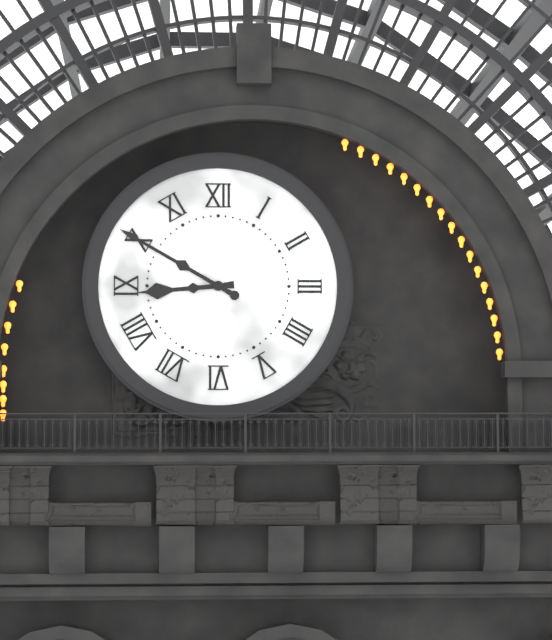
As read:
8:50
